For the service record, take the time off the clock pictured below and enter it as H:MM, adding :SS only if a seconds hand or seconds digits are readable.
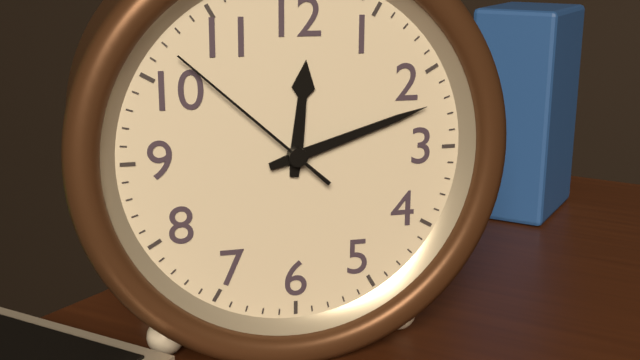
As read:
12:12:52
